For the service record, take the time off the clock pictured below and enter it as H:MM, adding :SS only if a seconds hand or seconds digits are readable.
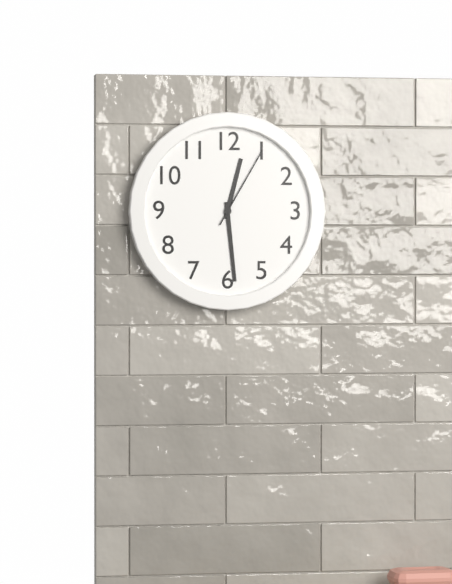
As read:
12:29:05
